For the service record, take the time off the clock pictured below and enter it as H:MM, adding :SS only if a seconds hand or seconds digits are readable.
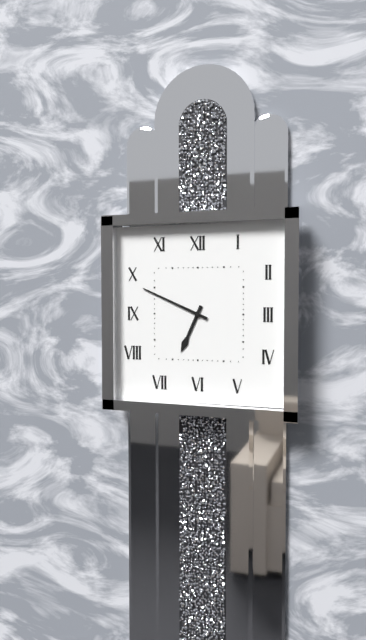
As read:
6:49
